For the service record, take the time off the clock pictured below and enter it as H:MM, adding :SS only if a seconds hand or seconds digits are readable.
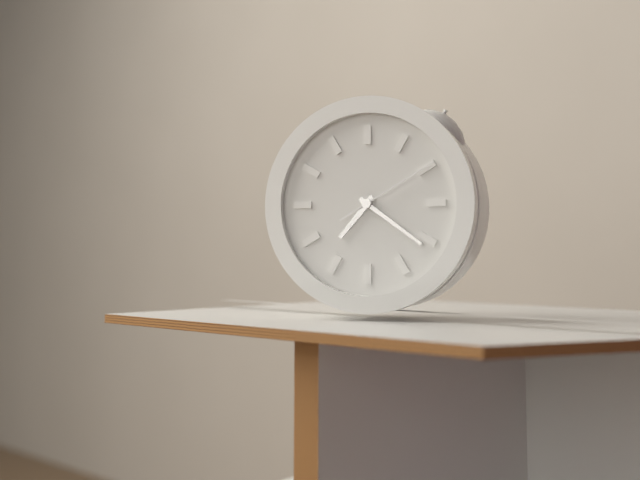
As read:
7:21:10
